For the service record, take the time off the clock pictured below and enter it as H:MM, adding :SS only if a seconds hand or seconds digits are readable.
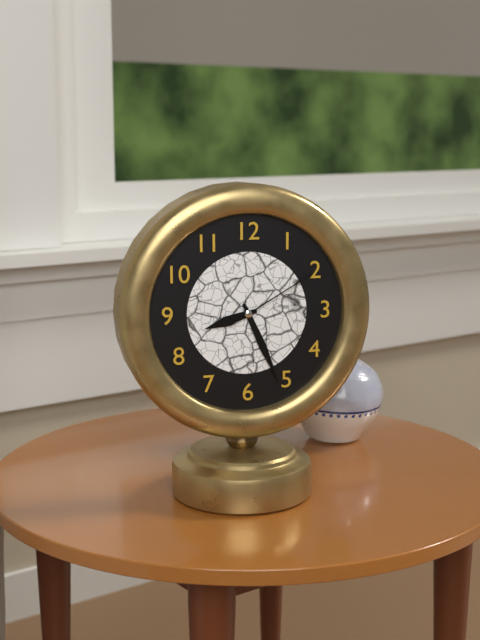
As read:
8:26:10
